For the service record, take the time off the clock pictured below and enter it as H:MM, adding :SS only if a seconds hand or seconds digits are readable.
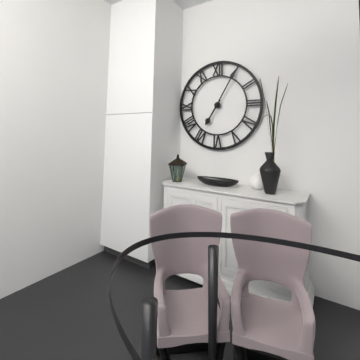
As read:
7:05
